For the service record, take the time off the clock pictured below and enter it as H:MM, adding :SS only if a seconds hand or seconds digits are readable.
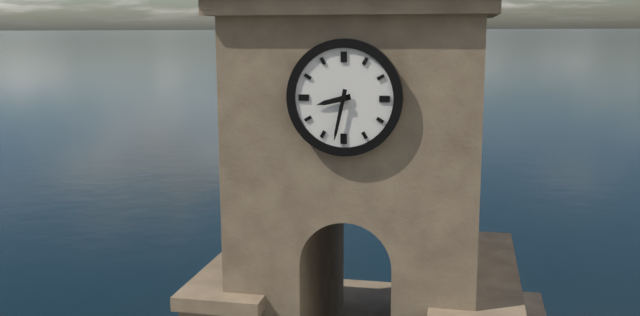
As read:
8:32
